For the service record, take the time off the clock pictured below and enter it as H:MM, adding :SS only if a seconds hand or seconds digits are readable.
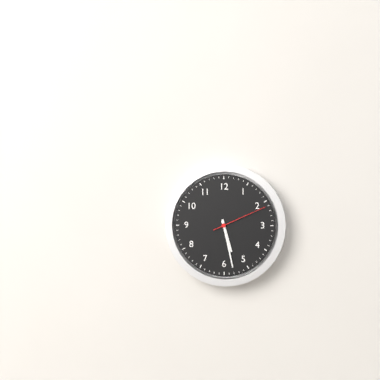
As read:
5:28:11
